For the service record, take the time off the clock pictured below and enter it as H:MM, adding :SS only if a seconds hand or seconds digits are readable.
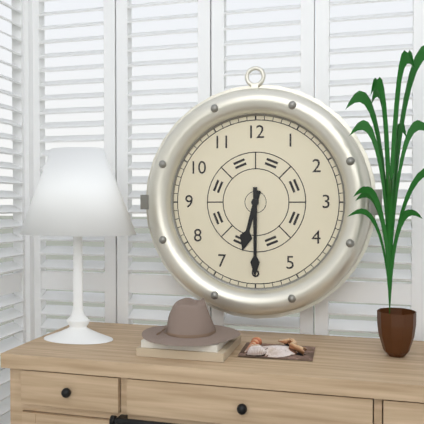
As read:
6:30
